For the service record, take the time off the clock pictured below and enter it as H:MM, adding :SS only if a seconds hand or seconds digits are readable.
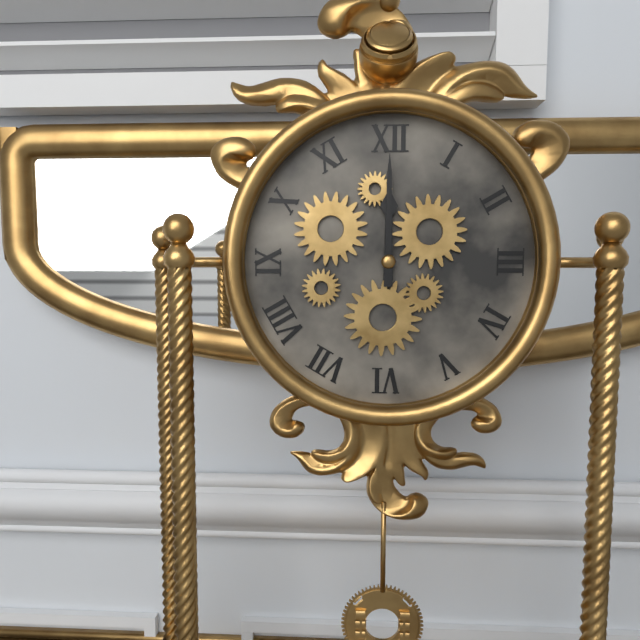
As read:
12:00
